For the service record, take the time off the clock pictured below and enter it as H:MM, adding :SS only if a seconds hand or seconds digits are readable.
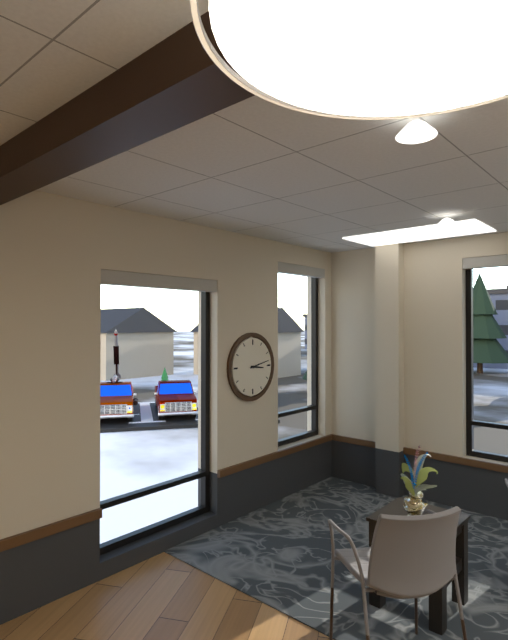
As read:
3:13
